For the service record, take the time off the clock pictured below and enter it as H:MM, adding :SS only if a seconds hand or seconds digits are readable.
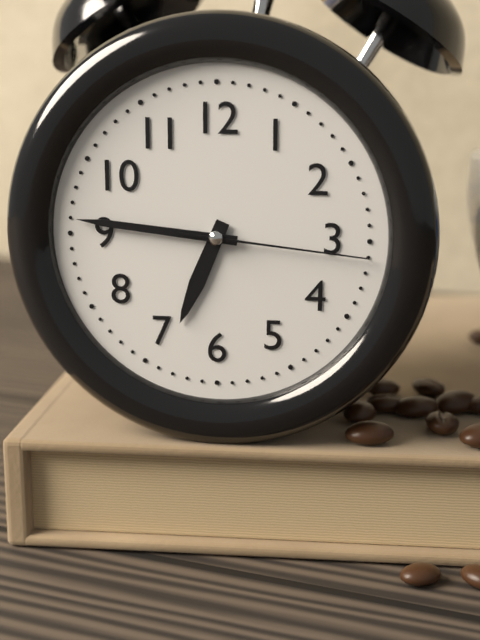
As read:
6:46:16
